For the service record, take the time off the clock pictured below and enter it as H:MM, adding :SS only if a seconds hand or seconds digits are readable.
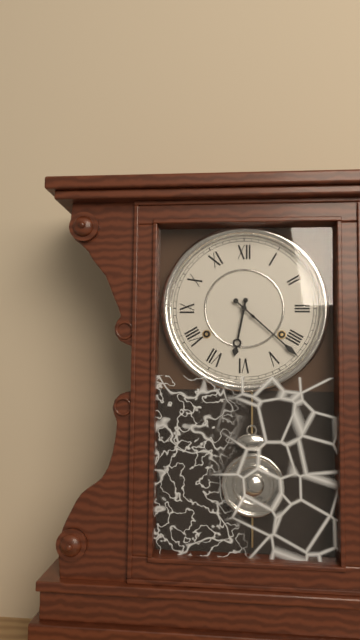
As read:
6:22
